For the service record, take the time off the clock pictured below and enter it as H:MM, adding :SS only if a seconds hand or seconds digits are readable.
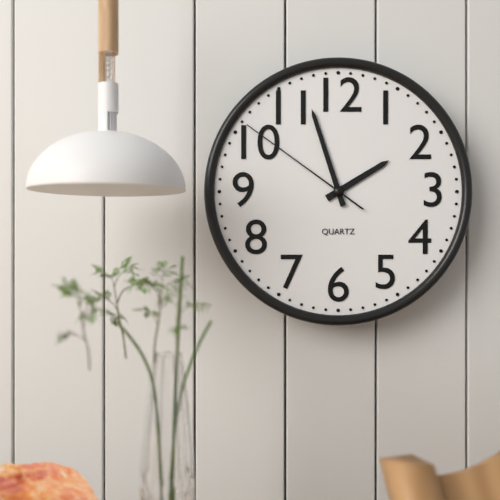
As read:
1:57:51
